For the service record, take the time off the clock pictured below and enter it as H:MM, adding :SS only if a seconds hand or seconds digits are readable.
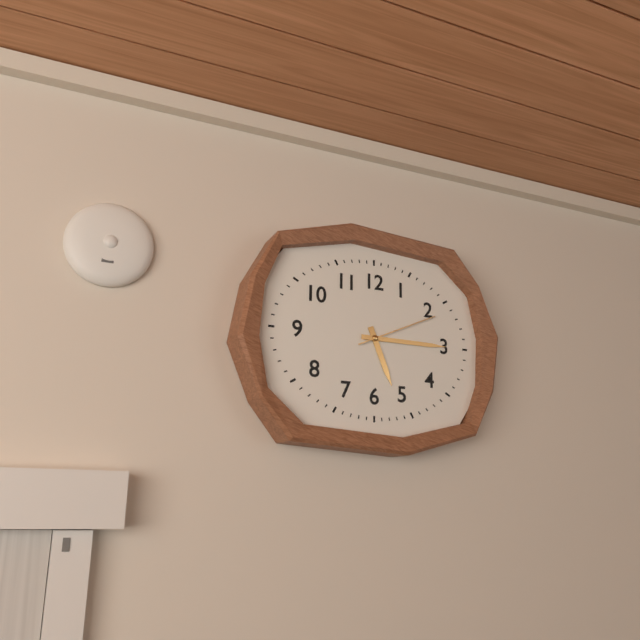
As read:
5:15:11
